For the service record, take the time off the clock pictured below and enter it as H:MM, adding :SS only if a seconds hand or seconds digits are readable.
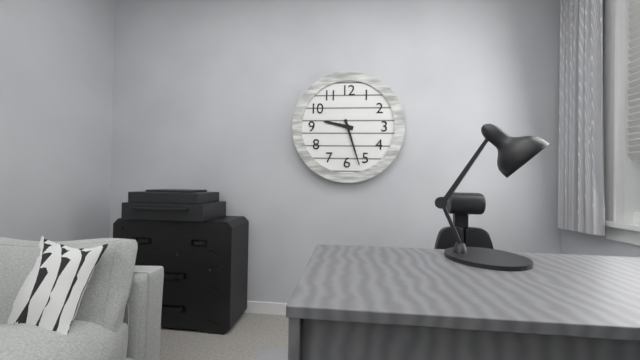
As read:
9:27
